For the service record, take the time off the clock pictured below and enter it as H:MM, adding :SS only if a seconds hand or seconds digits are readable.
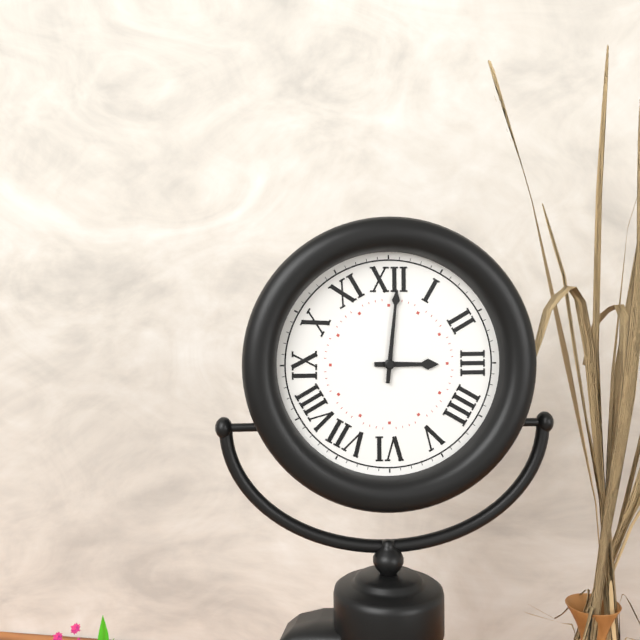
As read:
3:01
